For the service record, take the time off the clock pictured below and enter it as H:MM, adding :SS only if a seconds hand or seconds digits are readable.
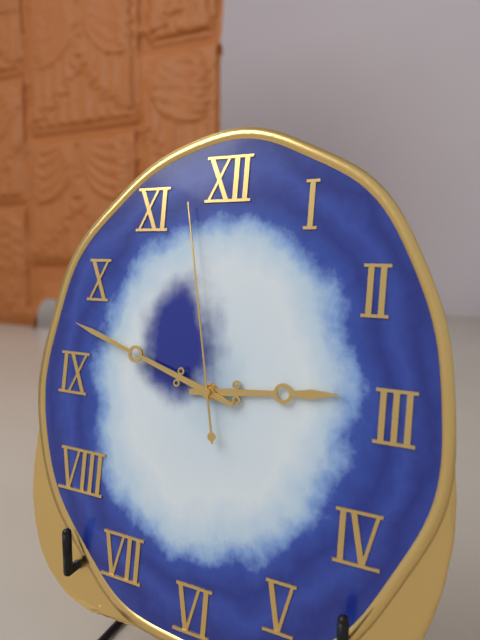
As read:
2:48:58
